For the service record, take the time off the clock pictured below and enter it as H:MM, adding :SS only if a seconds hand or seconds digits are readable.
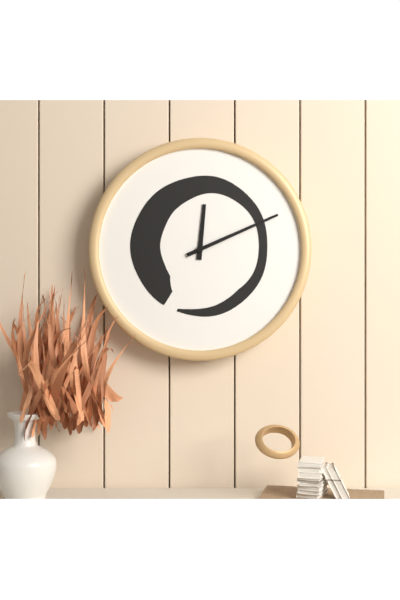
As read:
12:11
